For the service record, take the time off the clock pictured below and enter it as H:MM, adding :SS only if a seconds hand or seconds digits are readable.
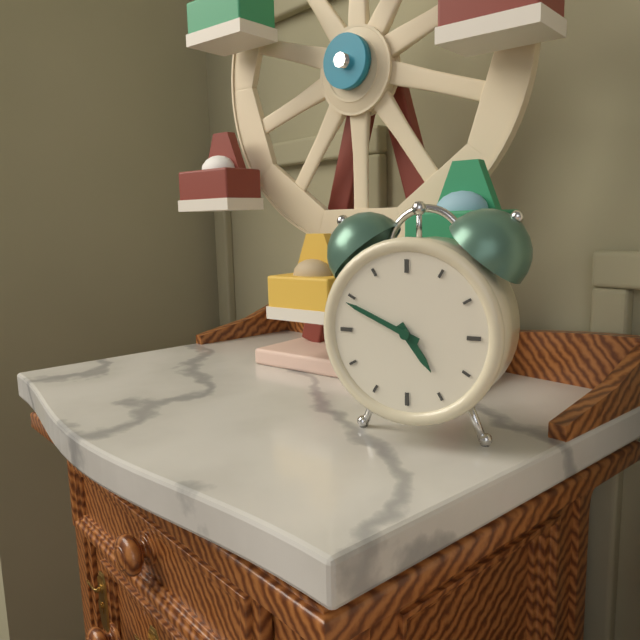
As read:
4:49
